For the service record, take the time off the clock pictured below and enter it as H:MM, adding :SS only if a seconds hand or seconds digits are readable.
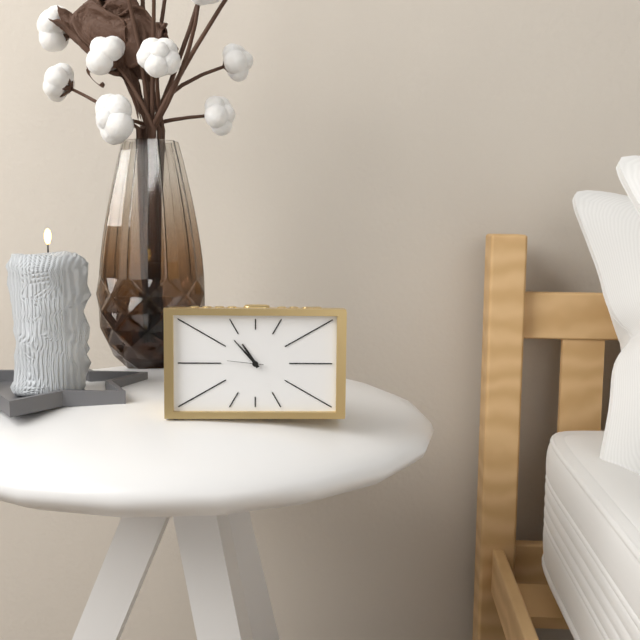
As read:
10:53
